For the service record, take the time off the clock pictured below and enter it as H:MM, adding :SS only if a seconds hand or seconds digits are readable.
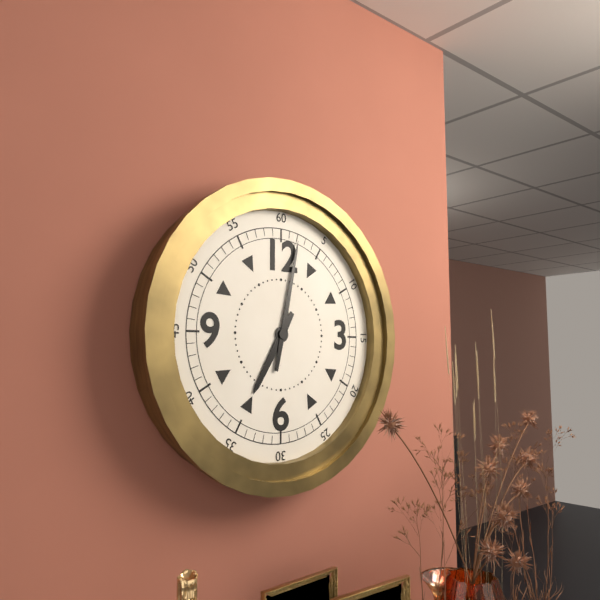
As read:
7:02
